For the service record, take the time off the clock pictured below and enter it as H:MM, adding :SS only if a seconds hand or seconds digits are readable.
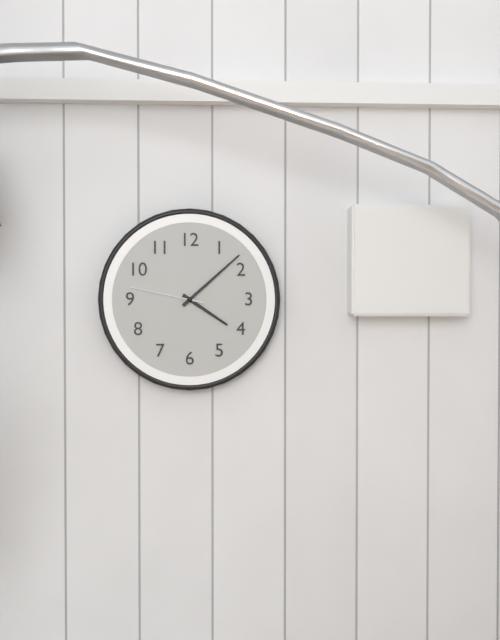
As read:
4:08:47
